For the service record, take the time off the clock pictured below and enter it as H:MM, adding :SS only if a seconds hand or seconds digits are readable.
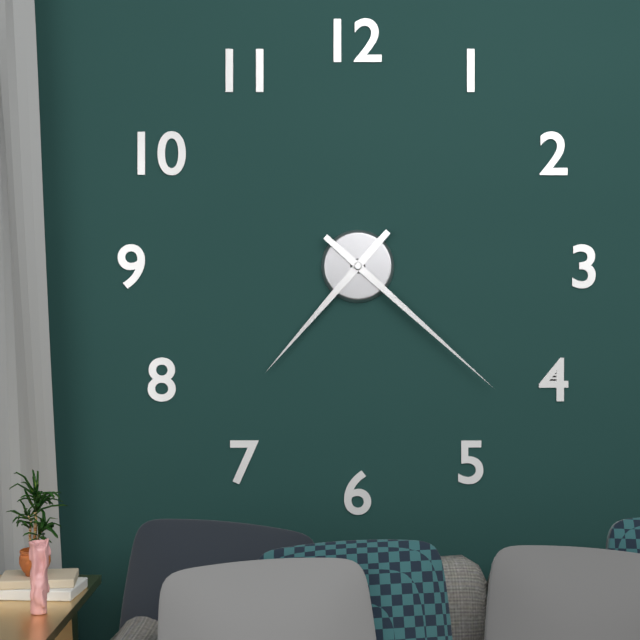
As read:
7:22
